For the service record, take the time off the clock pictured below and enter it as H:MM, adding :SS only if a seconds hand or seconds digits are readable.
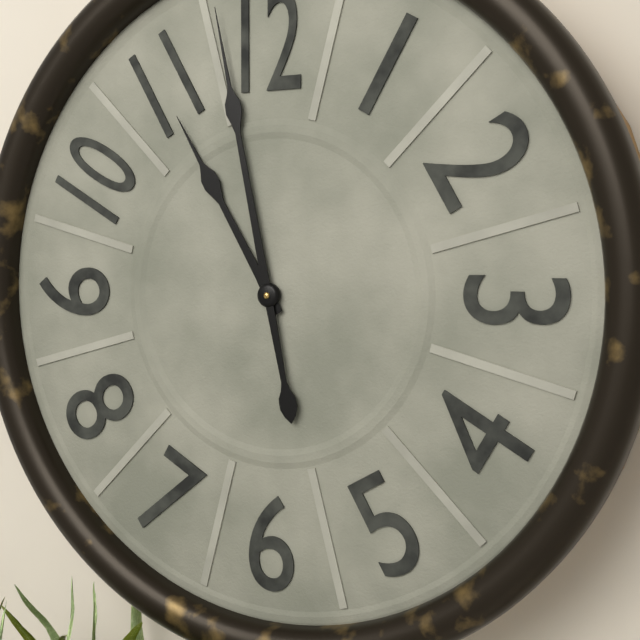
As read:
10:58
